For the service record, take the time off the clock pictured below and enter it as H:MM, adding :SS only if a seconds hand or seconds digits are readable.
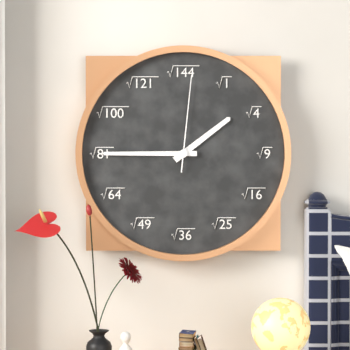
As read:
1:45:01
